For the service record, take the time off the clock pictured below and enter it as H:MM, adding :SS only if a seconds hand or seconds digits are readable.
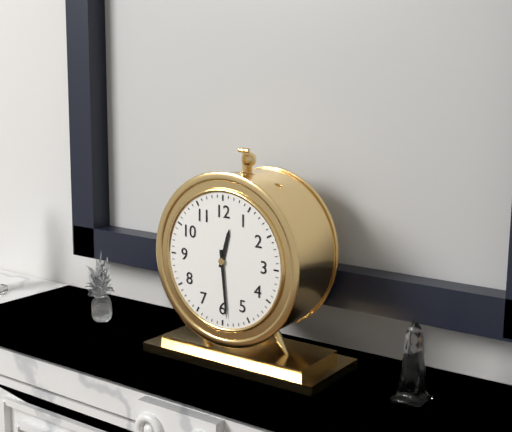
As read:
12:29
